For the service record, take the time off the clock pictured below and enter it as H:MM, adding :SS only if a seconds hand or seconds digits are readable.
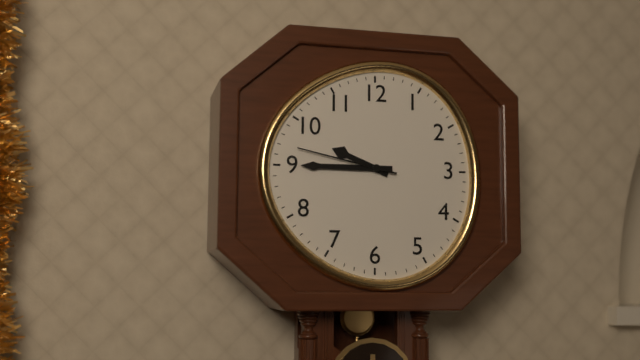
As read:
9:45:47
